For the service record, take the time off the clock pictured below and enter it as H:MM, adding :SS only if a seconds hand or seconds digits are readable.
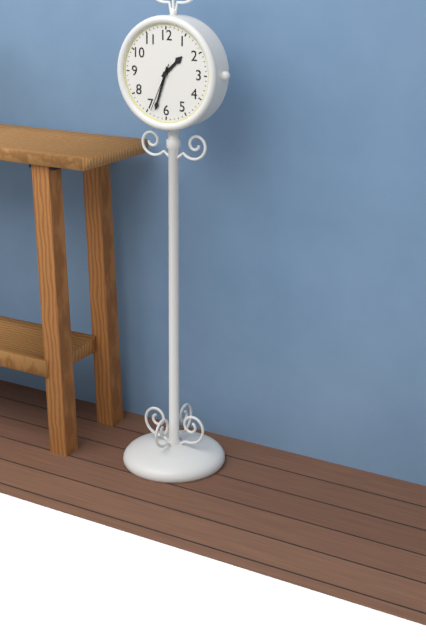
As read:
1:33:34
